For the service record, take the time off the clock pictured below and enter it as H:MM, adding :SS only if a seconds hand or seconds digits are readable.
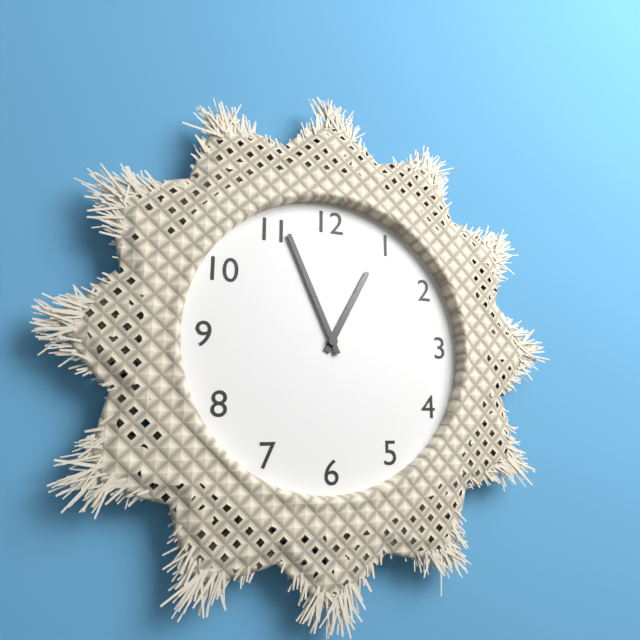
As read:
12:56
